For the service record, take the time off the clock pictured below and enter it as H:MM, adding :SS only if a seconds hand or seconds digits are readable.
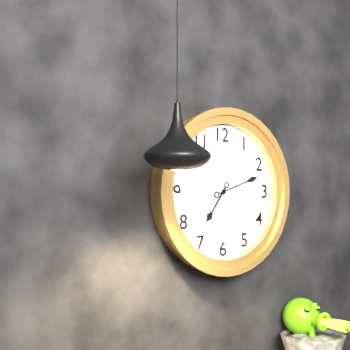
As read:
7:12
